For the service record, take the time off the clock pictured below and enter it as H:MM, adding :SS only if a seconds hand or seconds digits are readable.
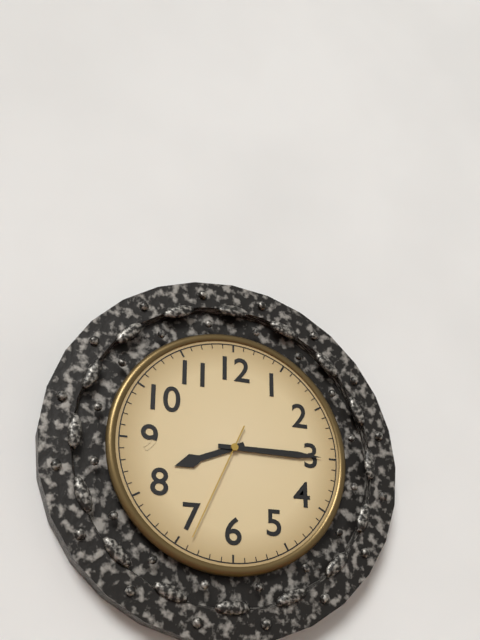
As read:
8:15:34
